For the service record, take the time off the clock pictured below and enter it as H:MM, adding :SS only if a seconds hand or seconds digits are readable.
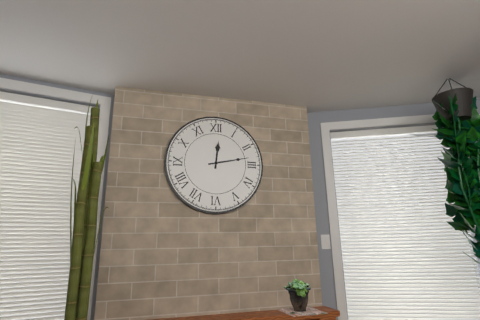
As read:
12:13
